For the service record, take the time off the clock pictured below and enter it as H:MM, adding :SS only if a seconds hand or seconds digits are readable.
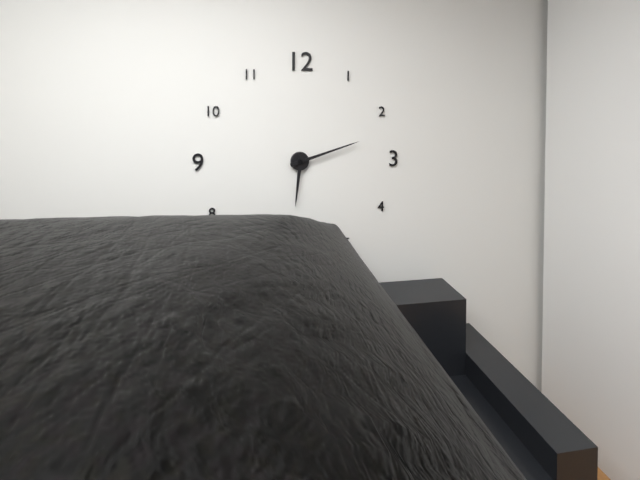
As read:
6:12
